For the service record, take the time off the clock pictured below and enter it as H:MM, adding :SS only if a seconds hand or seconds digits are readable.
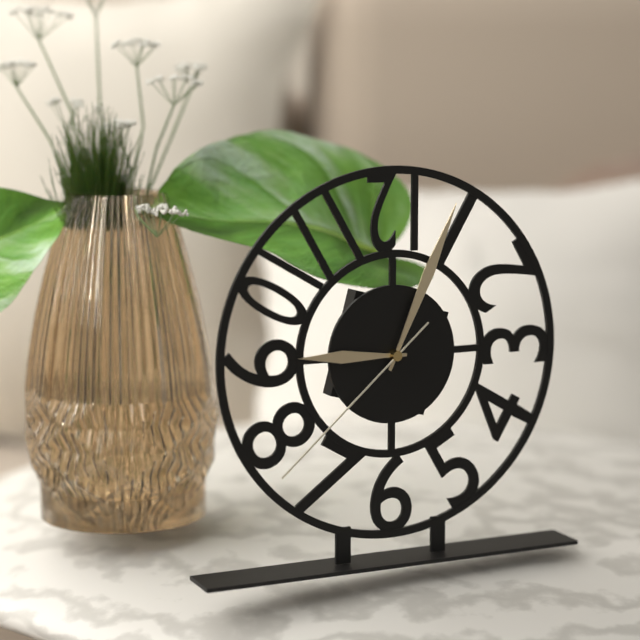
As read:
9:04:38
